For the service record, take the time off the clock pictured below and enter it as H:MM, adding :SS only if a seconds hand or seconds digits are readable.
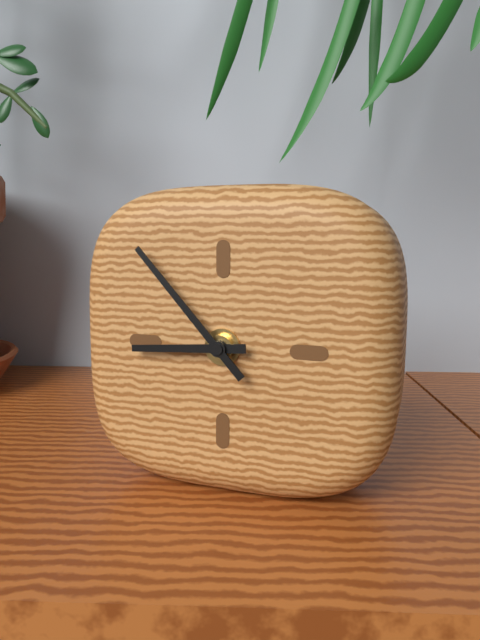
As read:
8:53
